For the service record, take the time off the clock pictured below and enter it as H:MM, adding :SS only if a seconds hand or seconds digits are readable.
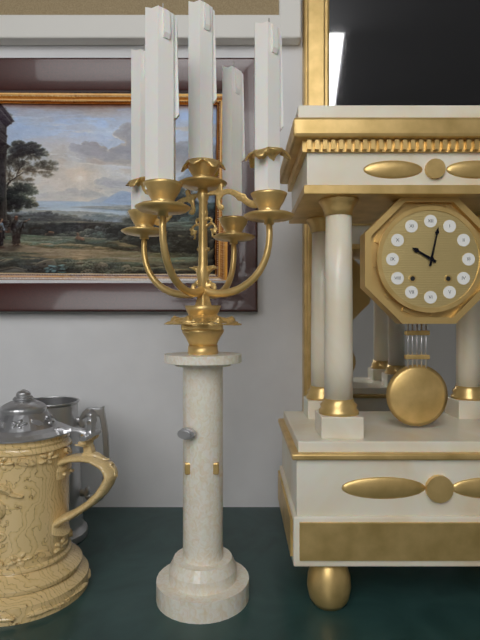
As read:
10:02
